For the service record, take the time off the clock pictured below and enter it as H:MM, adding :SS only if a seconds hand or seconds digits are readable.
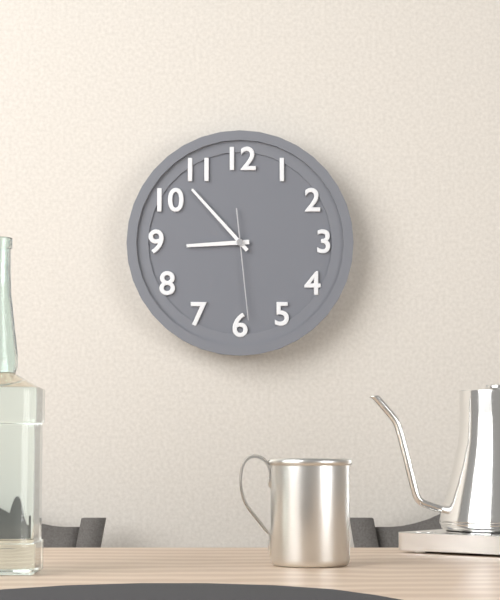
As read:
8:53:29
